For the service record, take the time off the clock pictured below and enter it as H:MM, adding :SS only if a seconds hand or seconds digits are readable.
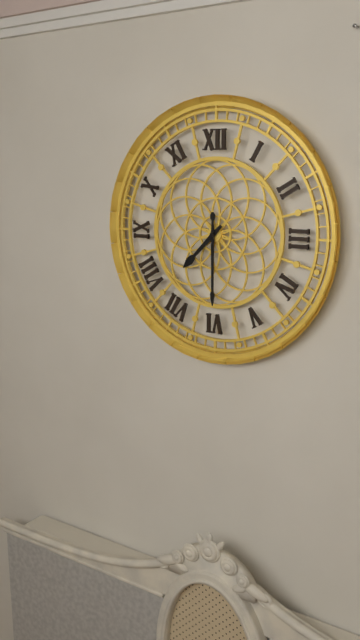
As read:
7:30
